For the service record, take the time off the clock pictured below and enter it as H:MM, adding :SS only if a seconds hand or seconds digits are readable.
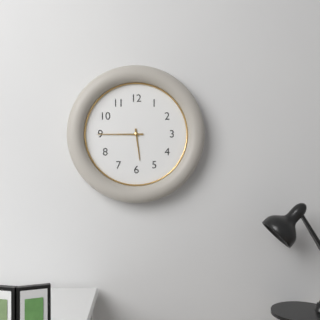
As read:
5:45
